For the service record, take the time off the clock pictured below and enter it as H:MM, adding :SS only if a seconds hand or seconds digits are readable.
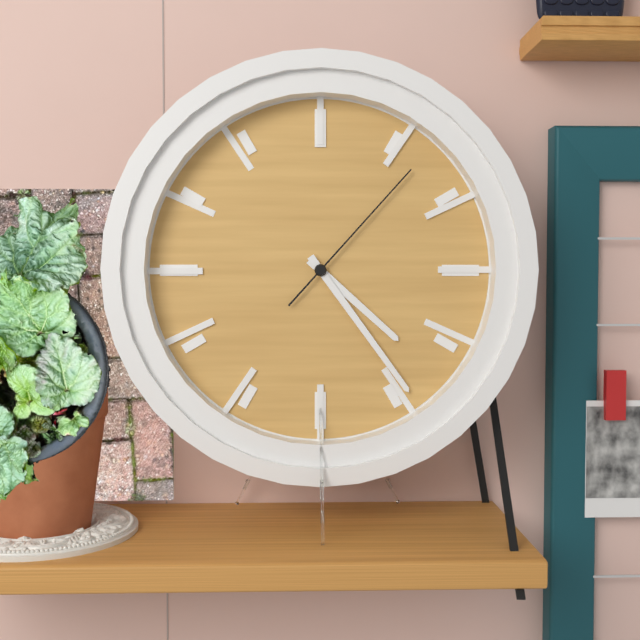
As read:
4:24:07
